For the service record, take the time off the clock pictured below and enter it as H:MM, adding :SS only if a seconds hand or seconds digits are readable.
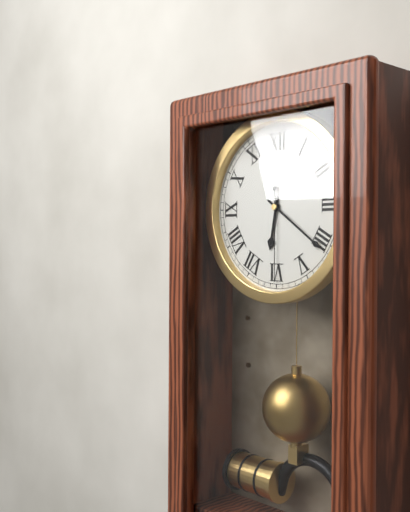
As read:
6:21:30
